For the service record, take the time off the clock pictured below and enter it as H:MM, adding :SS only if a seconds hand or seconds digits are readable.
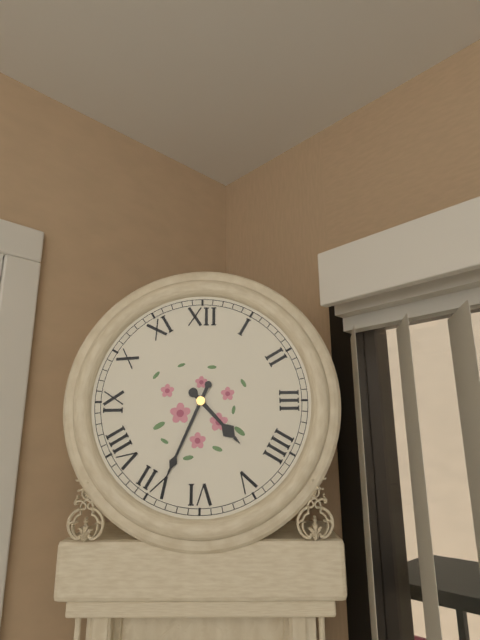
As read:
4:34
